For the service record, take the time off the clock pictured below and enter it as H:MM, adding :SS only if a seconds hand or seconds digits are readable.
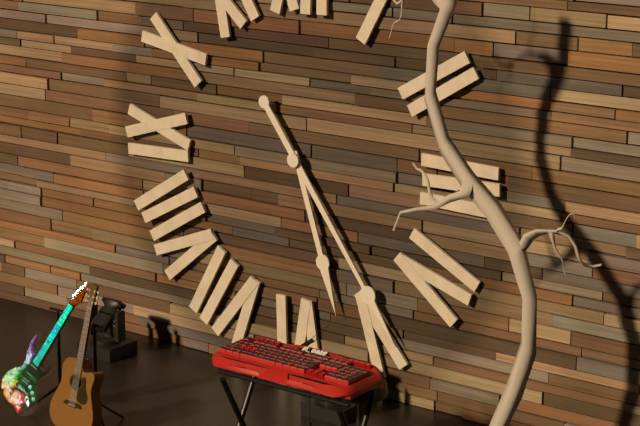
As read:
5:24
